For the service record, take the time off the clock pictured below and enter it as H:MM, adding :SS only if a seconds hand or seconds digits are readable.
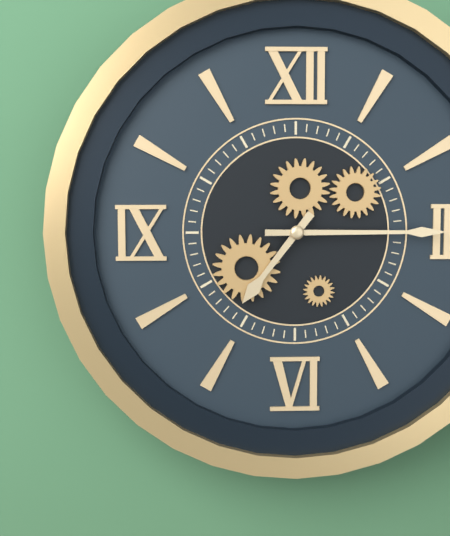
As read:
7:15
